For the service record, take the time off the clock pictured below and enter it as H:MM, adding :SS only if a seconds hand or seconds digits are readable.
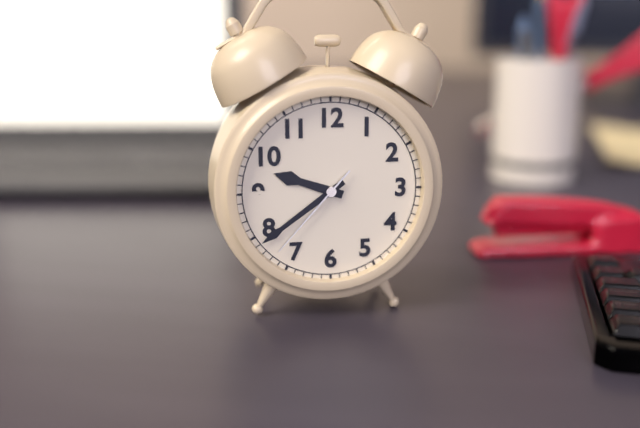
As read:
9:39:37
